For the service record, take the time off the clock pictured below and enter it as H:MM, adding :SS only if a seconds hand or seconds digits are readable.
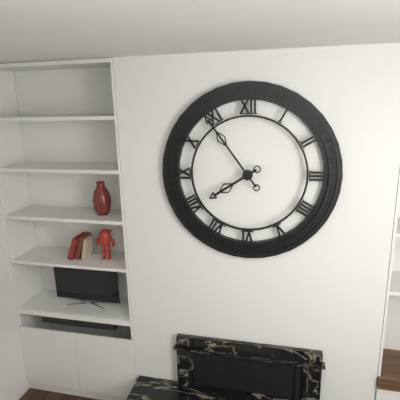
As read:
7:54
